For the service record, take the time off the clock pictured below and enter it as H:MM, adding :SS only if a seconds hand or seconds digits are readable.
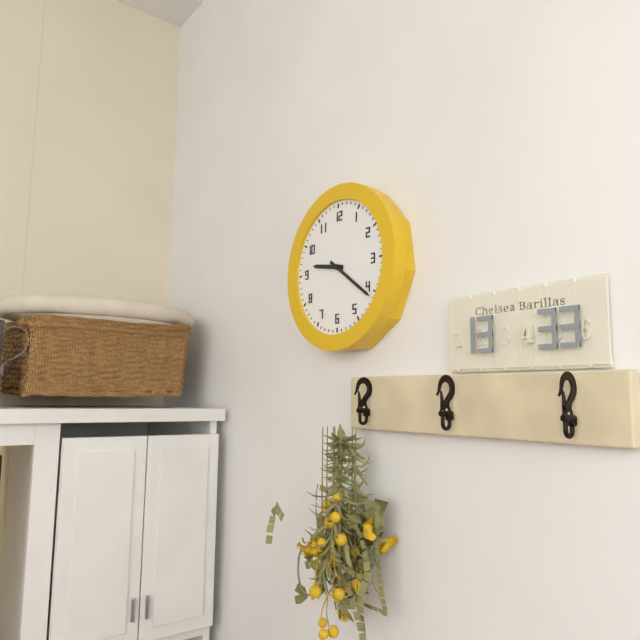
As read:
9:21
